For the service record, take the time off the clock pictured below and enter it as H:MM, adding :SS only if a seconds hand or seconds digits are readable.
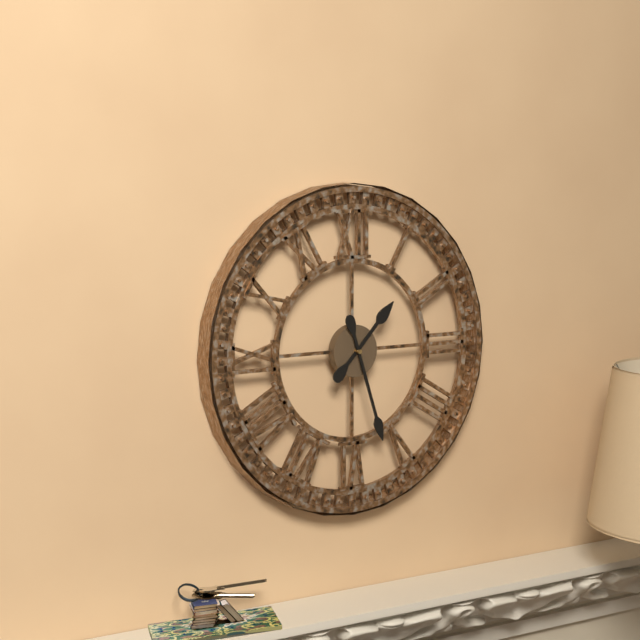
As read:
1:27
